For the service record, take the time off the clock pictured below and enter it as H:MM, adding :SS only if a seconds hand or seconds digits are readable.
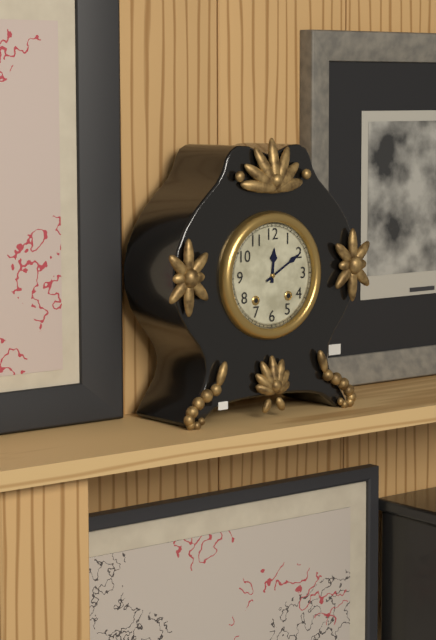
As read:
12:10
